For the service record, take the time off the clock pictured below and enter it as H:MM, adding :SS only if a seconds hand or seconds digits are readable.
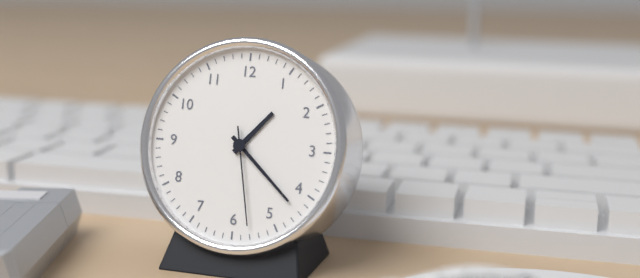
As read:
1:22:28
